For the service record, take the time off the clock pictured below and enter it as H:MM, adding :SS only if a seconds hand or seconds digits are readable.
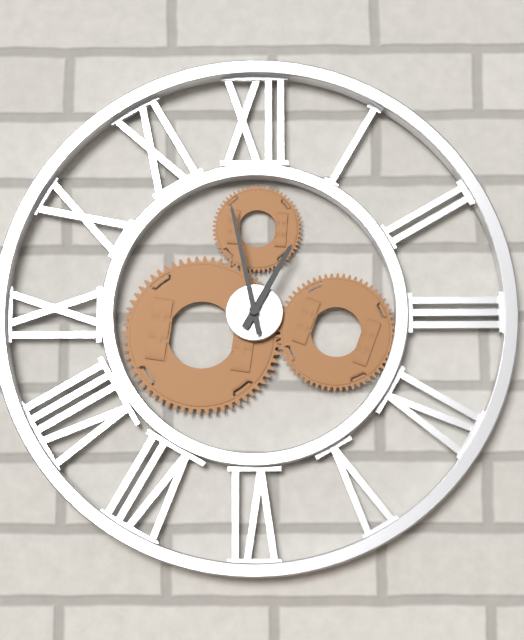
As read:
12:58
